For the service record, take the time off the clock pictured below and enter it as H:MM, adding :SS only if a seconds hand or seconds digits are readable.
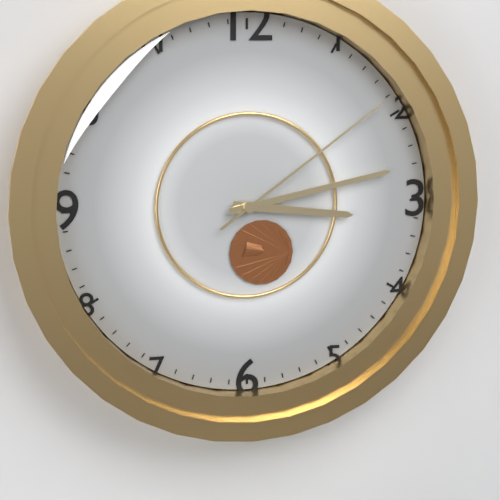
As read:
3:13:09
